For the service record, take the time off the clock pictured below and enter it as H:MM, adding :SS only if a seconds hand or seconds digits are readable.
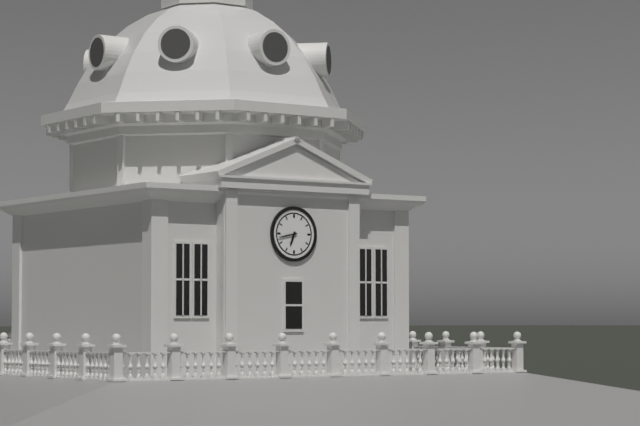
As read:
6:43
